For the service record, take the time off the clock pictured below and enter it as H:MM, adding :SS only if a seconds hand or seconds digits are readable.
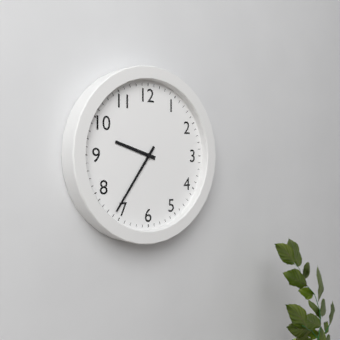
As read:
9:36
